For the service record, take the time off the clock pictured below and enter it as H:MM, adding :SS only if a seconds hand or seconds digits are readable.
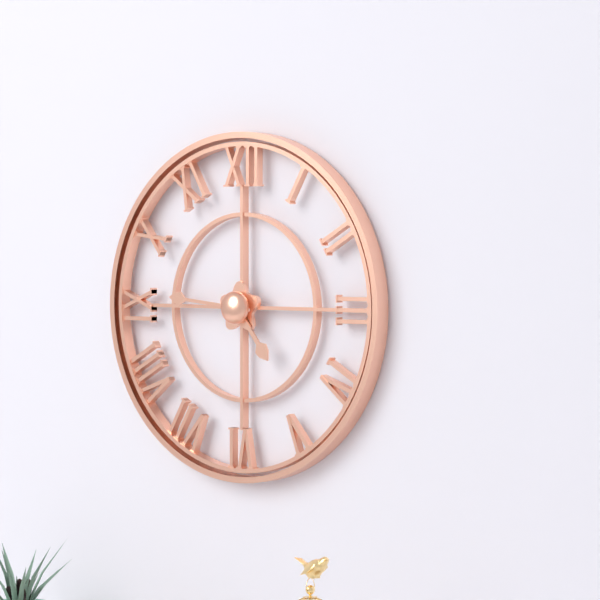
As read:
4:46
